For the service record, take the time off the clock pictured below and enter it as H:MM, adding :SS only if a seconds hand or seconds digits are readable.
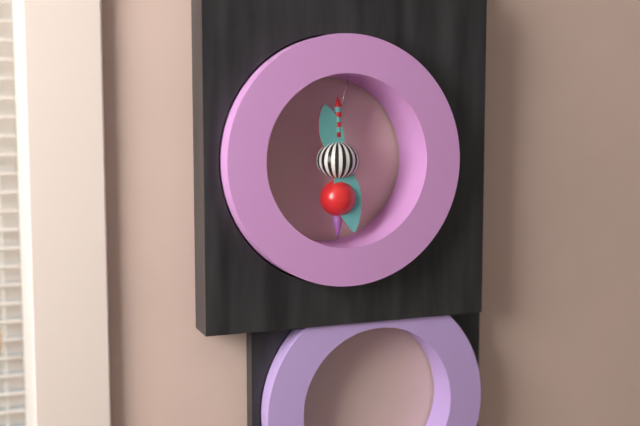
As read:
11:28
